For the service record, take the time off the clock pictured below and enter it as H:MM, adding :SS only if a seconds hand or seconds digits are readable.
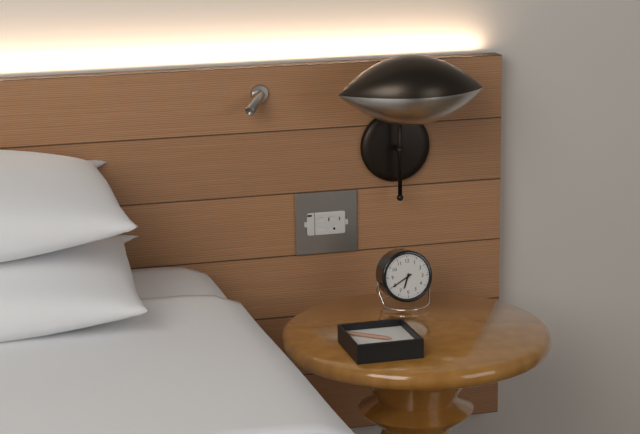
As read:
6:40
